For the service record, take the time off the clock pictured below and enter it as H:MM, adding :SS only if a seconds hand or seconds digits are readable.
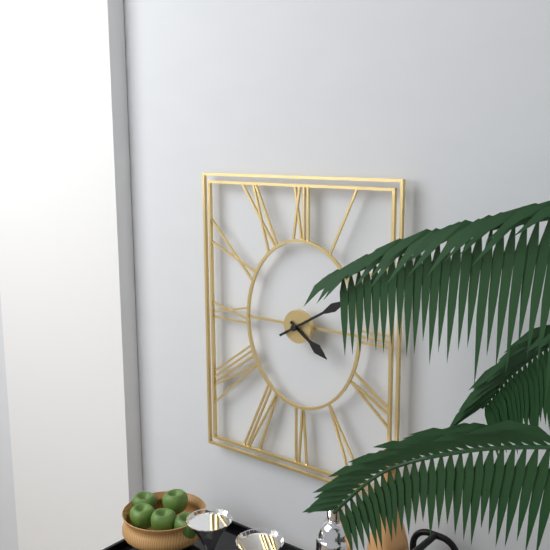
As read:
4:10
